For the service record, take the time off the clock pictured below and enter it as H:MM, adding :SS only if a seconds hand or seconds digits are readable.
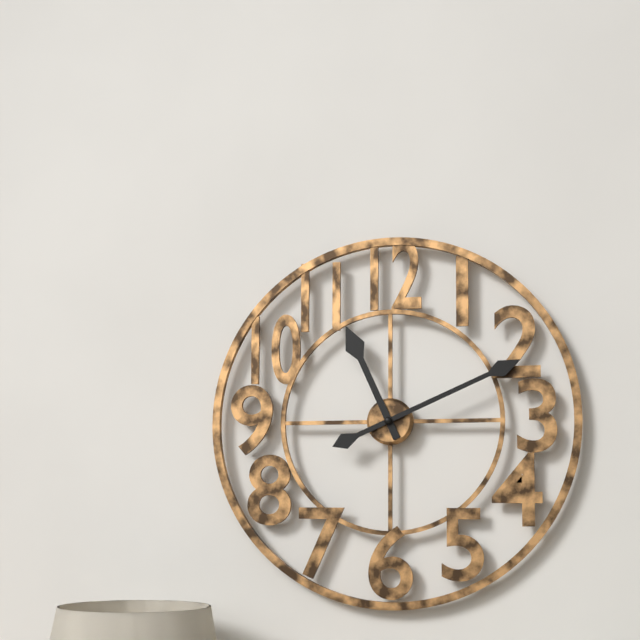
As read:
11:11
